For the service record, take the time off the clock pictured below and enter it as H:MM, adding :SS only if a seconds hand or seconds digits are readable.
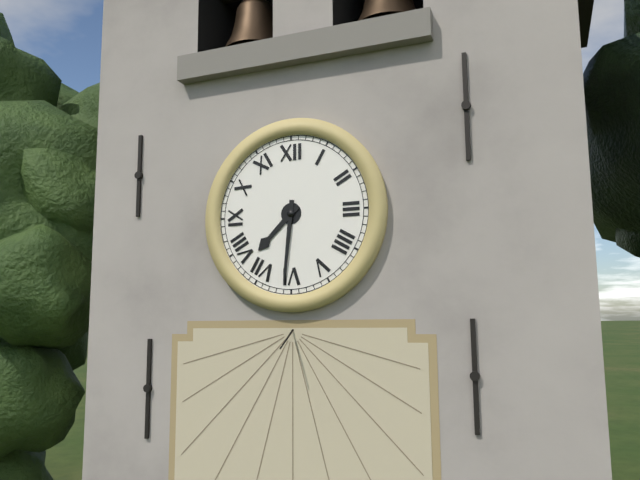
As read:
7:31
